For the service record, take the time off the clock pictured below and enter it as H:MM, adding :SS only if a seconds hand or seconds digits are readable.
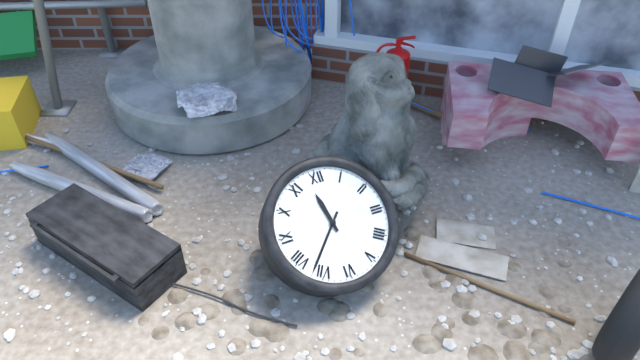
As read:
11:37
